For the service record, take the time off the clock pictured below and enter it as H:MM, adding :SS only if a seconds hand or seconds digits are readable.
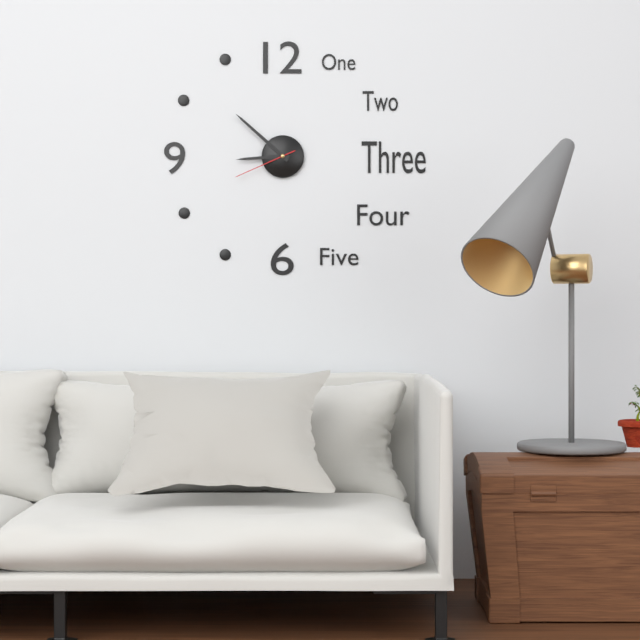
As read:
8:52:41
